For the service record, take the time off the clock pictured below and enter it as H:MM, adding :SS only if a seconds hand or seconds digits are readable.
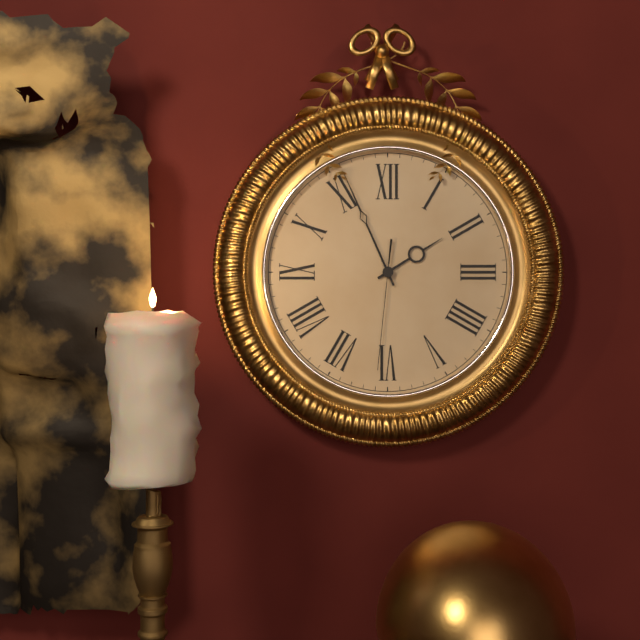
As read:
1:56:31
